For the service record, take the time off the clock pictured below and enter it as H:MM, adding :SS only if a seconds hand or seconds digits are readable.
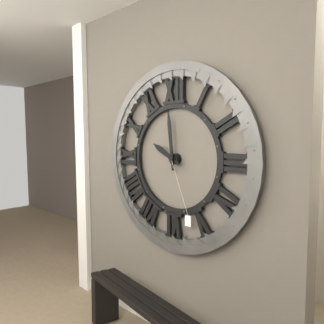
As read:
9:59
